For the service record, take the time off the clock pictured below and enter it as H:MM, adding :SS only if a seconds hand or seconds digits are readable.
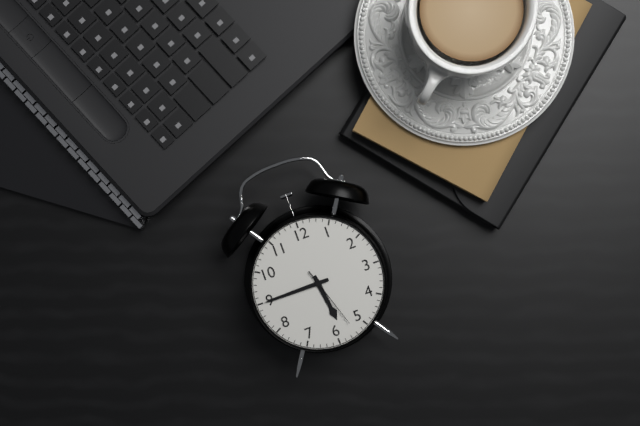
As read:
5:45:27
